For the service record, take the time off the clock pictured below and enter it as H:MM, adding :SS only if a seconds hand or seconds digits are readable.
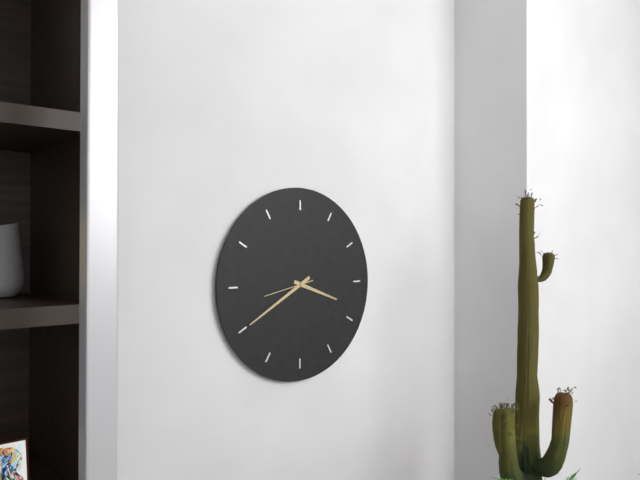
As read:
3:40
